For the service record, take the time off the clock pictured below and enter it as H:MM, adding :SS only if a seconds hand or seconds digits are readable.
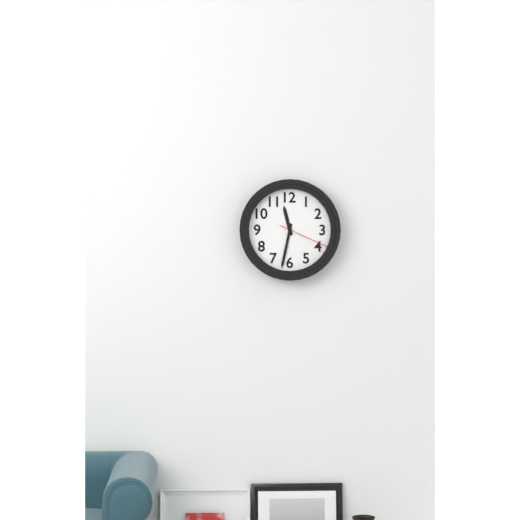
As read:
11:32:19
